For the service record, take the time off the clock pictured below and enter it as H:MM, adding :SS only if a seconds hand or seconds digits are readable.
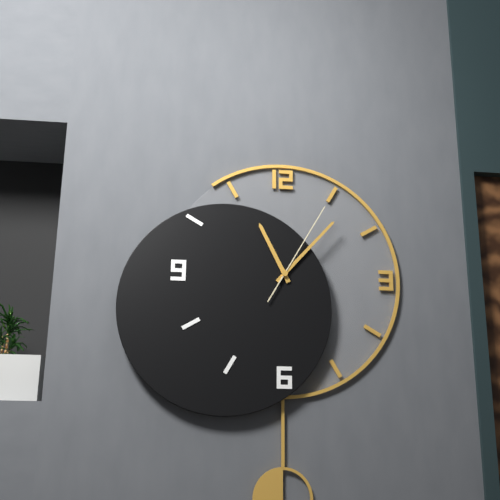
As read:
11:07:05
